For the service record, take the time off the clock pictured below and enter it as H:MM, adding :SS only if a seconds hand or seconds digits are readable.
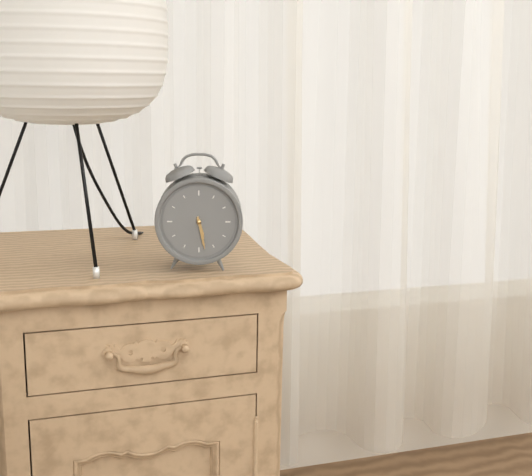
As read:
5:28
